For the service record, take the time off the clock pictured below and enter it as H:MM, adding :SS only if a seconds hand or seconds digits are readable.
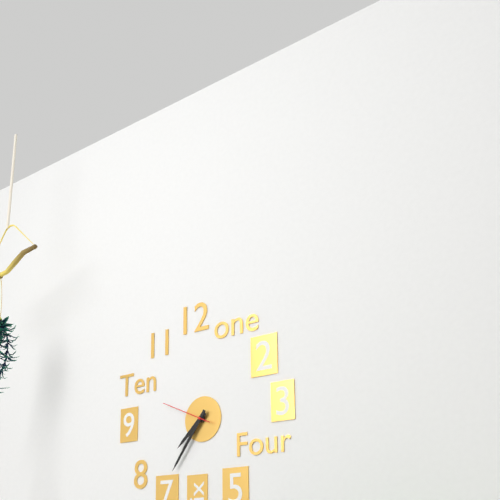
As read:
7:36:49
